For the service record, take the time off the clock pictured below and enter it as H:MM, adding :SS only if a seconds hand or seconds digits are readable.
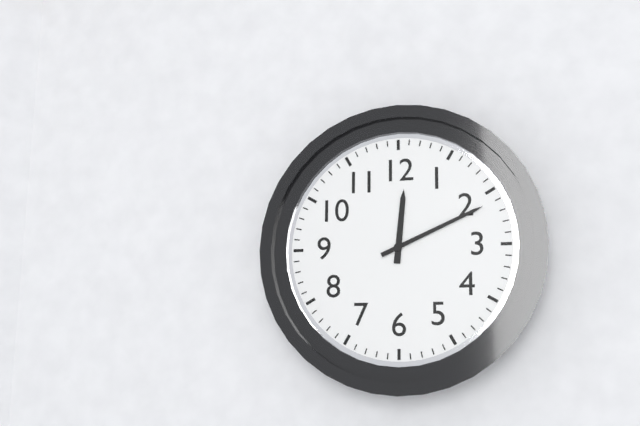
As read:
12:11
